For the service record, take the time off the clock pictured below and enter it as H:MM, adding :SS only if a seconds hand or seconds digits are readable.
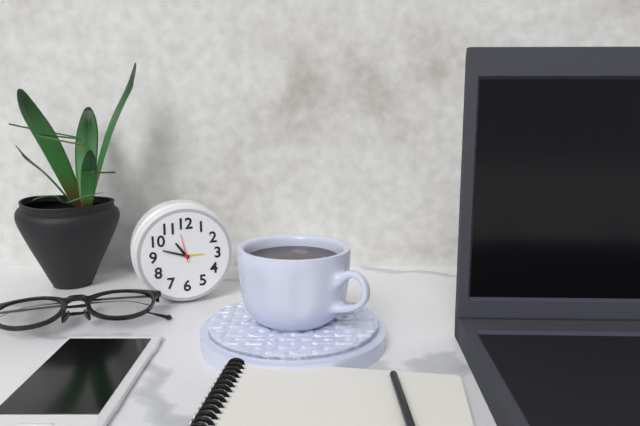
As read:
10:48
